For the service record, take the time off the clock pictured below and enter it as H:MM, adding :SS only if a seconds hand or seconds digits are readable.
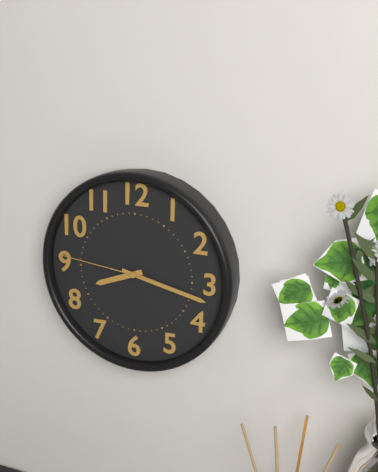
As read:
8:17:46
